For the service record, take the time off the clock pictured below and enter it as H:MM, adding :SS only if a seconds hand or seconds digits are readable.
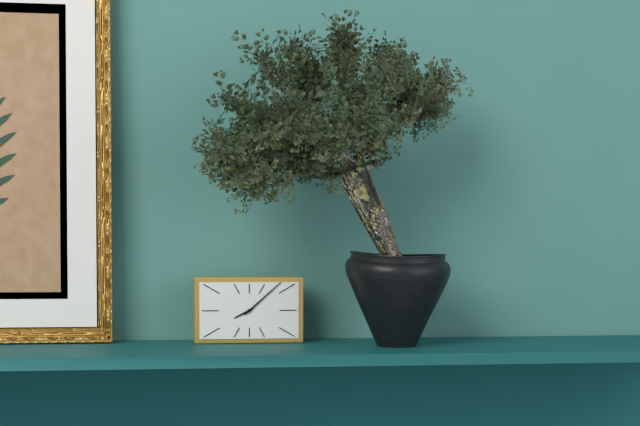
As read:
8:08
